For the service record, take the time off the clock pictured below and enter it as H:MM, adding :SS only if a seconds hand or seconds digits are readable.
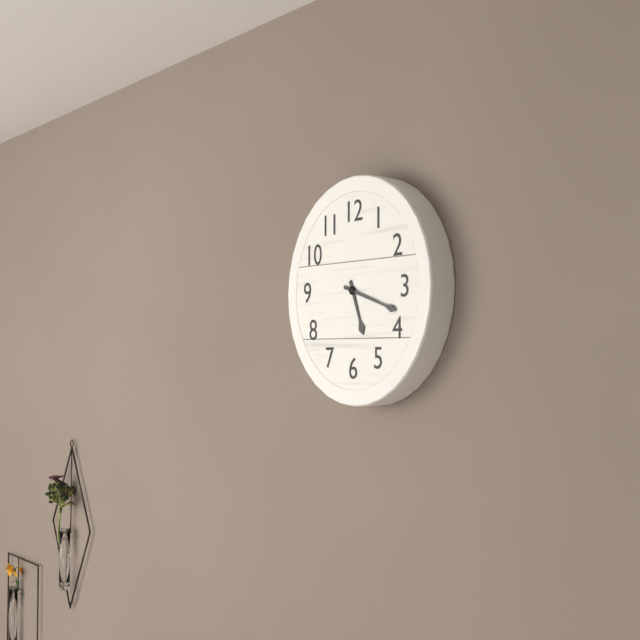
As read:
5:18
